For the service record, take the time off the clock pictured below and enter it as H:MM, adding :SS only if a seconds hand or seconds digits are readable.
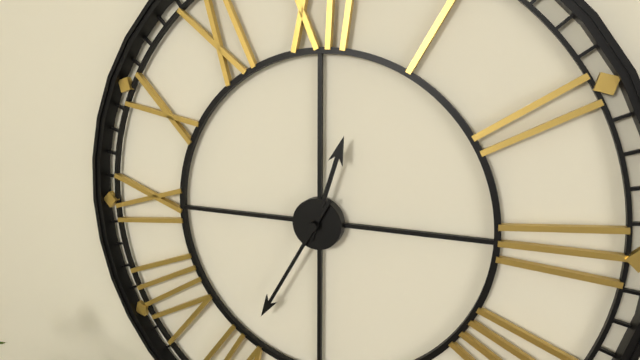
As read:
12:35
